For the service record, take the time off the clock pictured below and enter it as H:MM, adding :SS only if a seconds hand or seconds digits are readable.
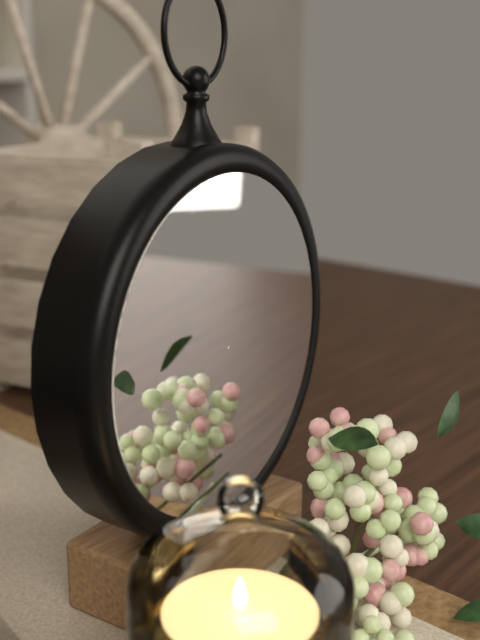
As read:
2:27
